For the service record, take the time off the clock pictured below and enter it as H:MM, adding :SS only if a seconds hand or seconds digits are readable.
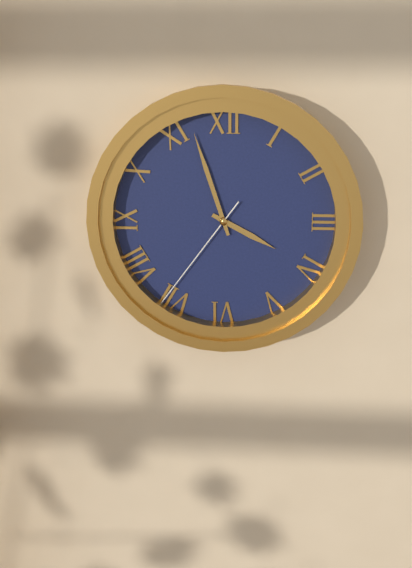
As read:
3:57:36
